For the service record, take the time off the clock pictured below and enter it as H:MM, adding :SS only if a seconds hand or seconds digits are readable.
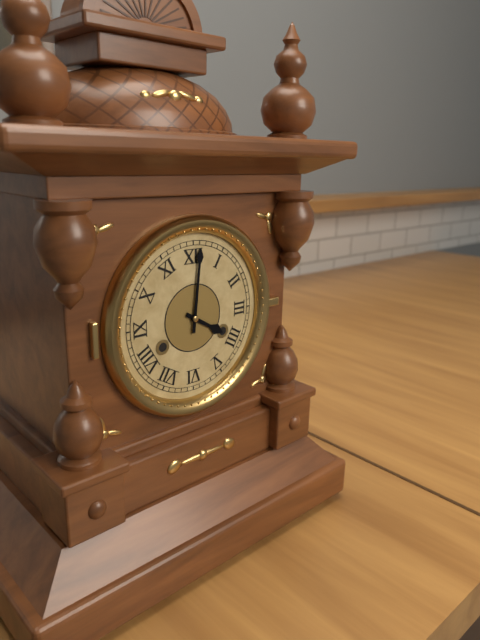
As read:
4:01
